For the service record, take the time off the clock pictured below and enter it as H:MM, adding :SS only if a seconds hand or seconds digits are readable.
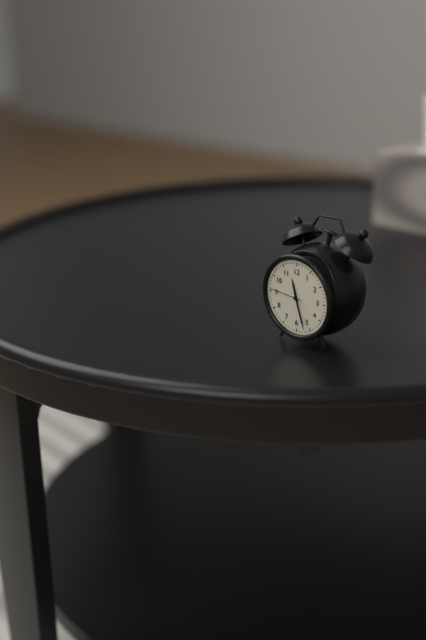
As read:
11:27
